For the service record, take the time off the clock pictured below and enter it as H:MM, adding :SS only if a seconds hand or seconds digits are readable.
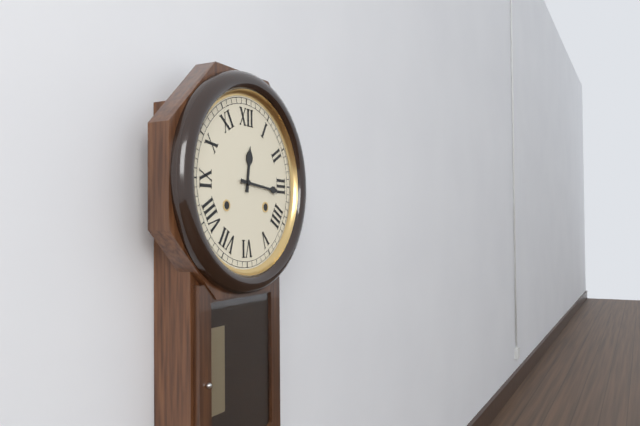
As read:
12:16
